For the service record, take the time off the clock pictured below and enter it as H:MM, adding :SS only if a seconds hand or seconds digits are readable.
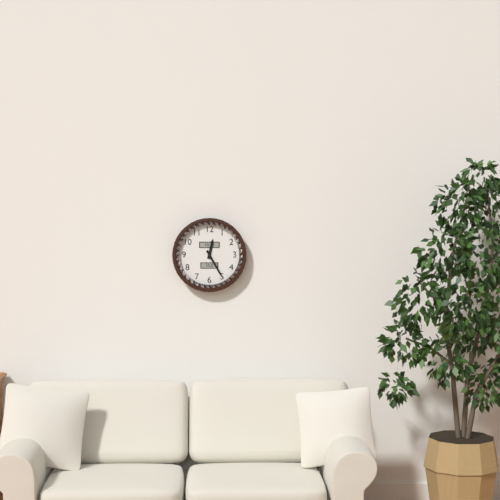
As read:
12:25
